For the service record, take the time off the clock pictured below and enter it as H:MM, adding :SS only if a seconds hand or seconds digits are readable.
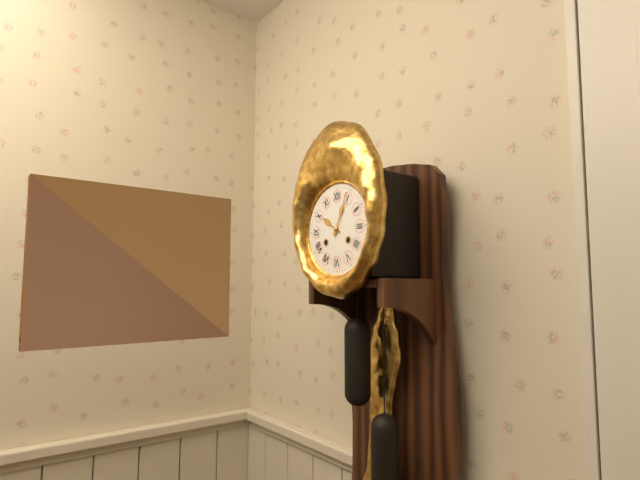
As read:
10:04
